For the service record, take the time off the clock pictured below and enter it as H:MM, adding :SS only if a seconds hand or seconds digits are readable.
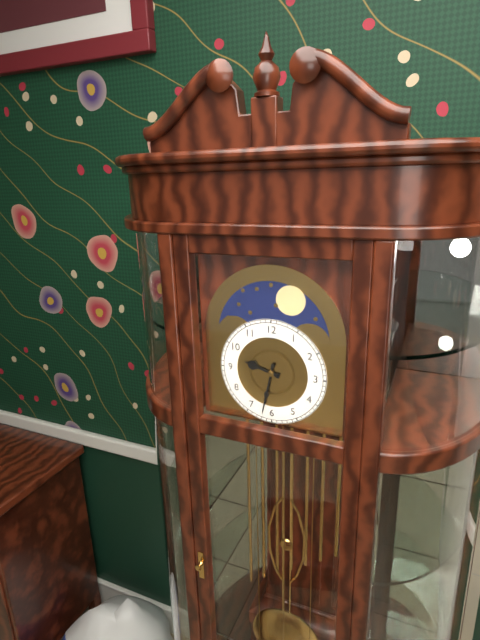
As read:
9:32
